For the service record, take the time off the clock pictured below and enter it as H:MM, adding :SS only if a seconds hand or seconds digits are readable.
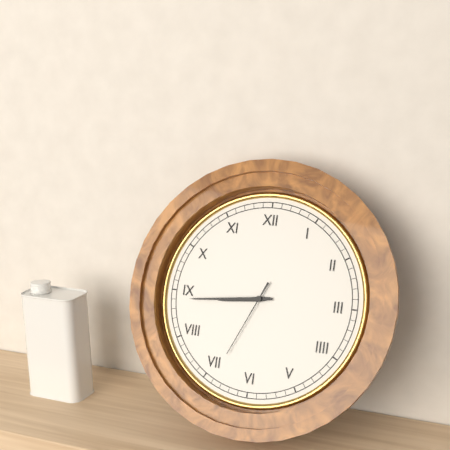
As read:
8:44:34
